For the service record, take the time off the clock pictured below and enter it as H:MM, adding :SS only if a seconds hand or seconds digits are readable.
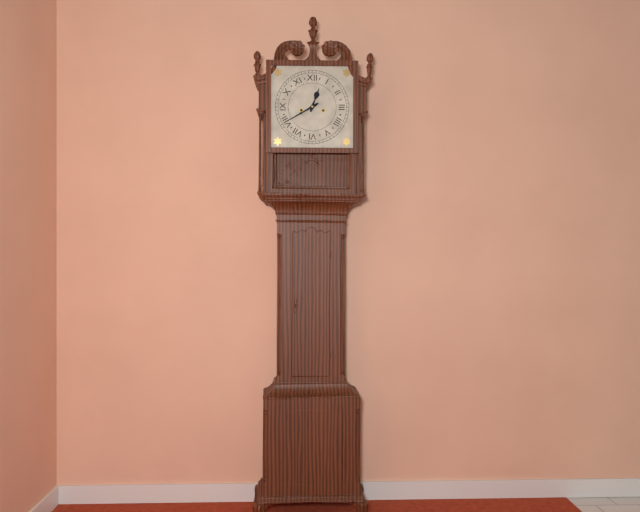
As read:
12:40
